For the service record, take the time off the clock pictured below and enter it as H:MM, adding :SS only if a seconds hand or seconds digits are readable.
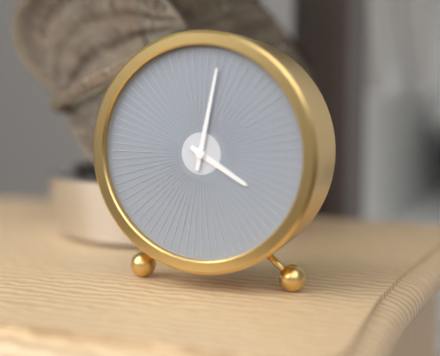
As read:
4:02
